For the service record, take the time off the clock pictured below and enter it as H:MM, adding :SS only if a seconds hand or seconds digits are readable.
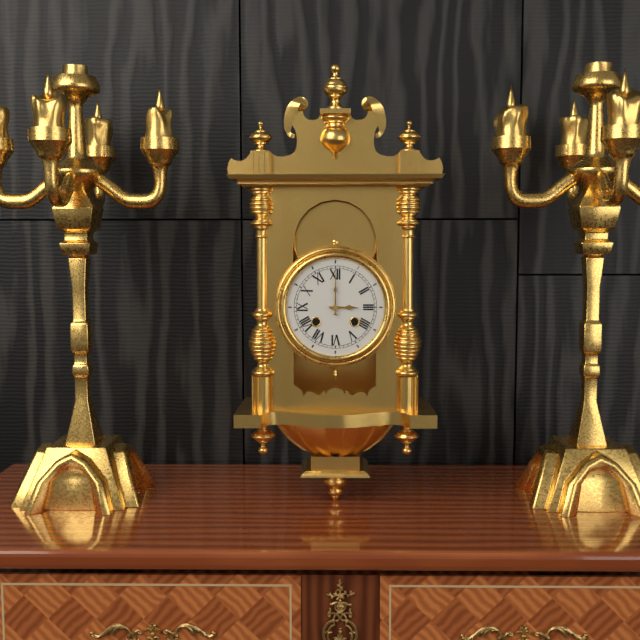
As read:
3:00
